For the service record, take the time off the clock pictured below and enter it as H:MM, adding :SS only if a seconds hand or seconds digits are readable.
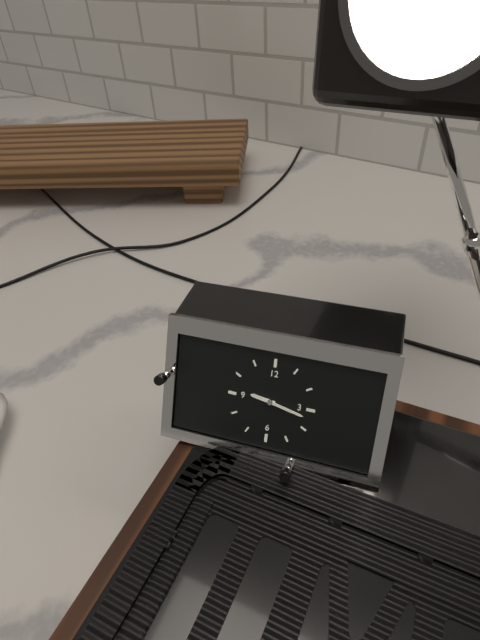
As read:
9:17
